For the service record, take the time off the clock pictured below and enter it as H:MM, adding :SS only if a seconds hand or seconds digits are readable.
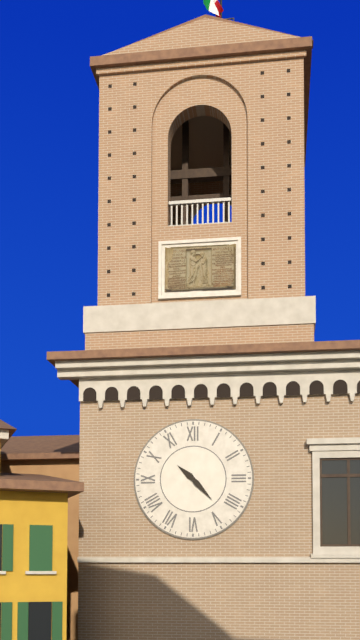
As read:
10:23
